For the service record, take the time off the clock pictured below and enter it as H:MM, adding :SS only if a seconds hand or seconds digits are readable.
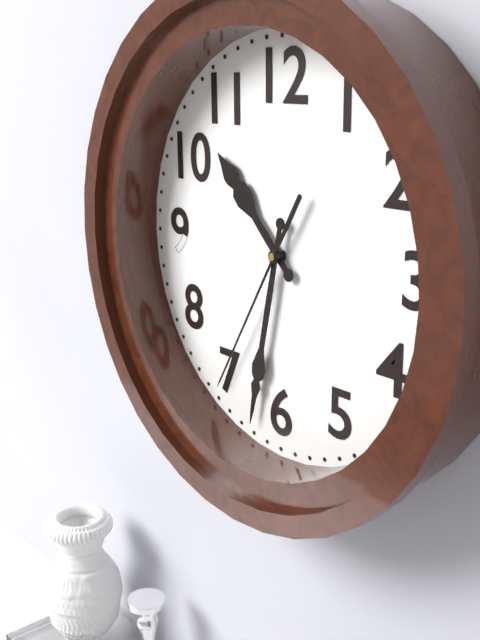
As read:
10:32:35
